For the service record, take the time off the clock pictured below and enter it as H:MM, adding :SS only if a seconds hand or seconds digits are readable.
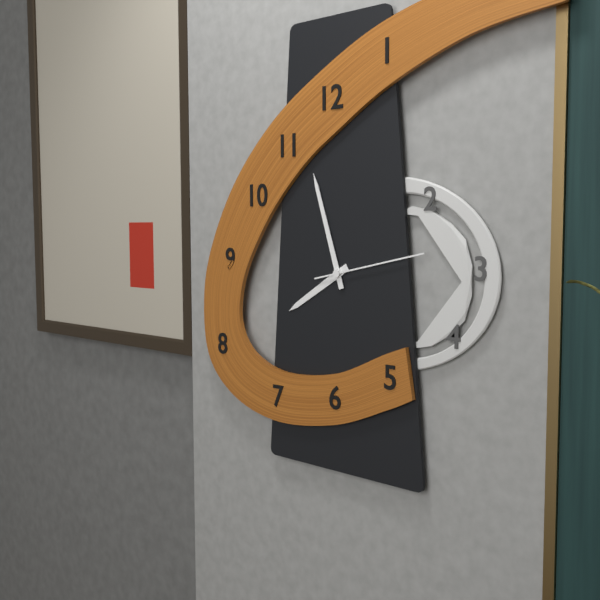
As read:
7:57:13
